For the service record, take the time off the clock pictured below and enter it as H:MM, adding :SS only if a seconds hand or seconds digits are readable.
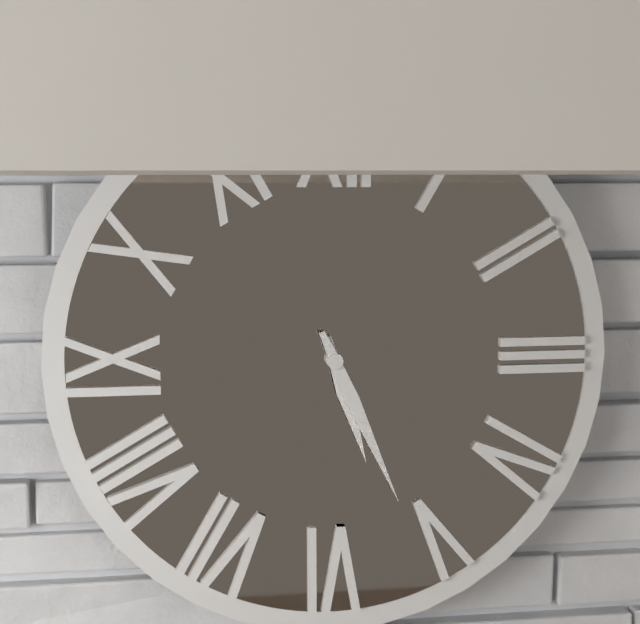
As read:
5:26
